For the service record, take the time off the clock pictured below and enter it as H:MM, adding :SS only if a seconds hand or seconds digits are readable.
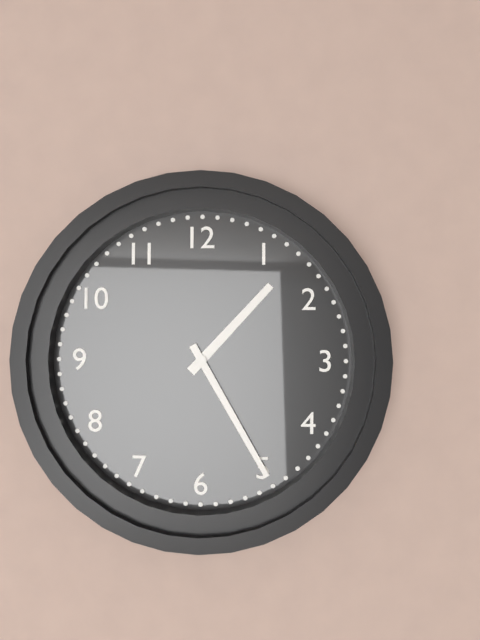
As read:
1:25
